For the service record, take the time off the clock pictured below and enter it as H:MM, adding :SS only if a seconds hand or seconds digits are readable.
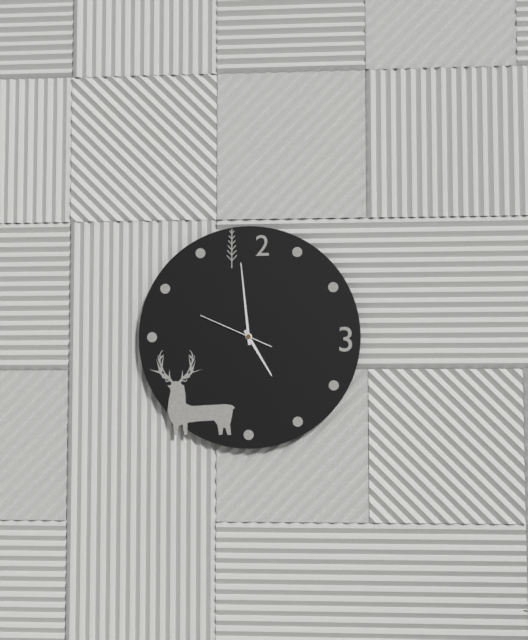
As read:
4:59:49
